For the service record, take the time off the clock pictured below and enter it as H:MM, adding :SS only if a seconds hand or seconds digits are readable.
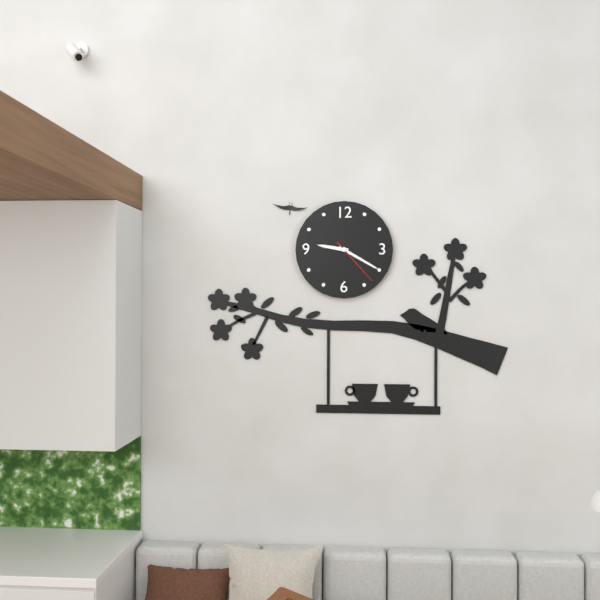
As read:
9:20:23
